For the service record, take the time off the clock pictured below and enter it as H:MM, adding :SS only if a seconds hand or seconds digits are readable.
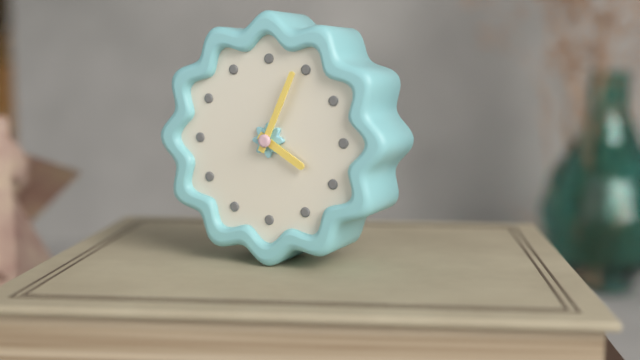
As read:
4:04
